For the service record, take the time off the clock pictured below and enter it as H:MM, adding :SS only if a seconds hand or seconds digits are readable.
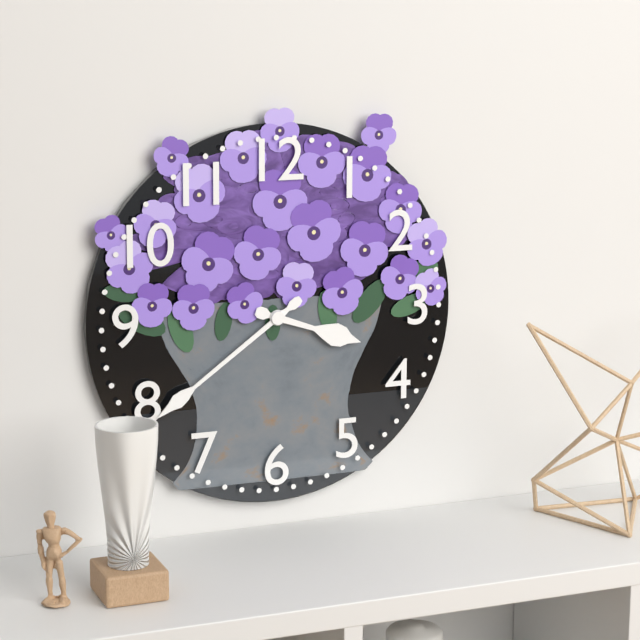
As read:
3:39
